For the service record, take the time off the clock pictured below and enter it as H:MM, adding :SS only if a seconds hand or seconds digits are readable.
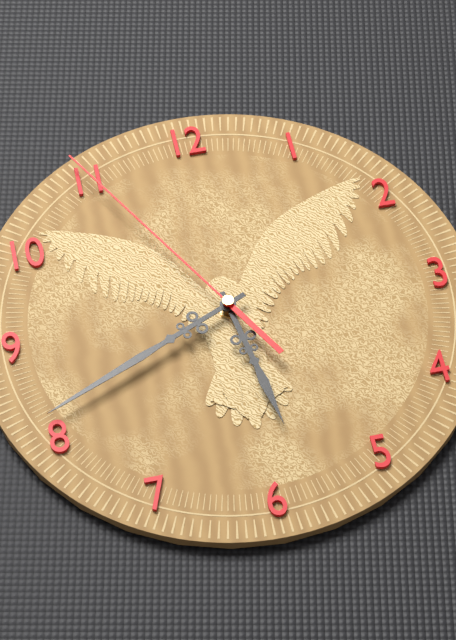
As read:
5:41:55
